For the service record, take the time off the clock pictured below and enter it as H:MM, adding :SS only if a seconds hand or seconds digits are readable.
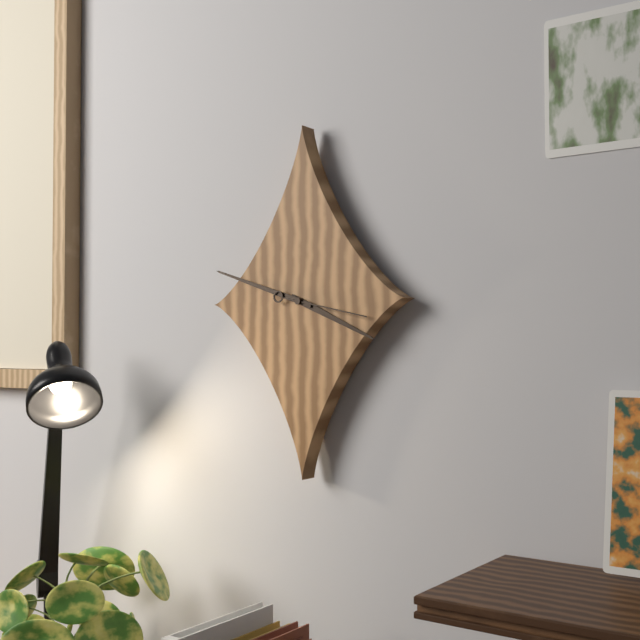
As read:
3:48:17
